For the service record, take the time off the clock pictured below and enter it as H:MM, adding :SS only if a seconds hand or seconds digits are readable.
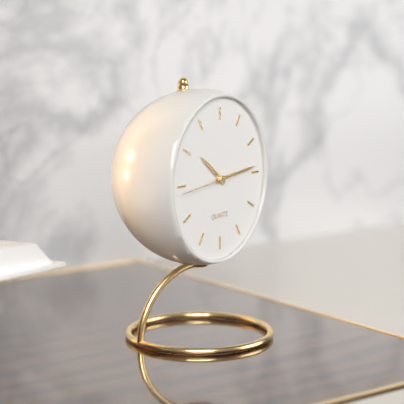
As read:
10:14:44
